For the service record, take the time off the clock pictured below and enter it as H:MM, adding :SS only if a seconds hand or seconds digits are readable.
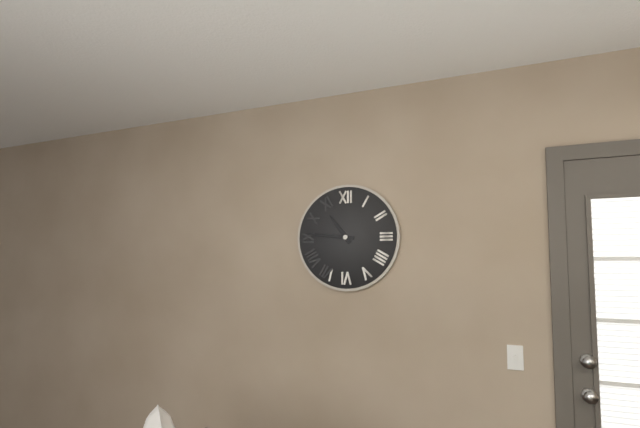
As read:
10:46
